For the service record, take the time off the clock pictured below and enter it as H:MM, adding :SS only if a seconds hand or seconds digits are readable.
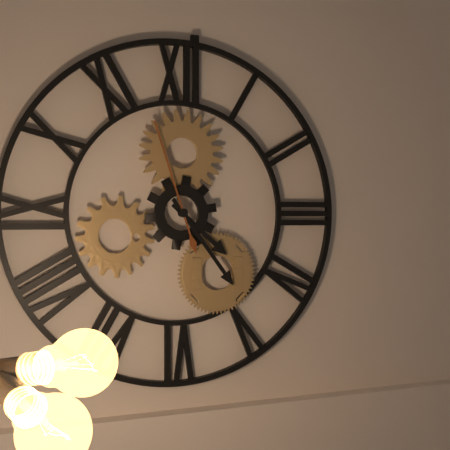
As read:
4:24:57
